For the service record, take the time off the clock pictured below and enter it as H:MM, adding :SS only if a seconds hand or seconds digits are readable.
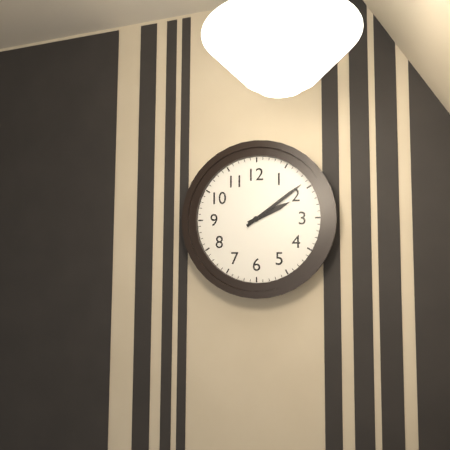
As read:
2:09
